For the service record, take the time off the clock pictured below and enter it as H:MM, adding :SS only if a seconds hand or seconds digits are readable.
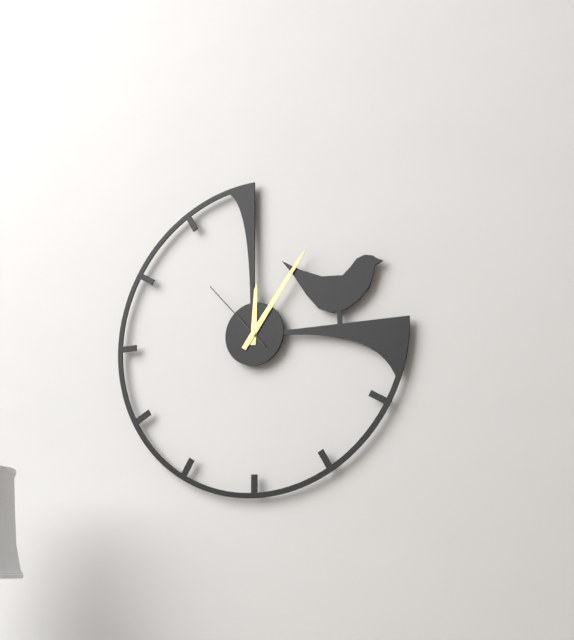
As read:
12:06:53
